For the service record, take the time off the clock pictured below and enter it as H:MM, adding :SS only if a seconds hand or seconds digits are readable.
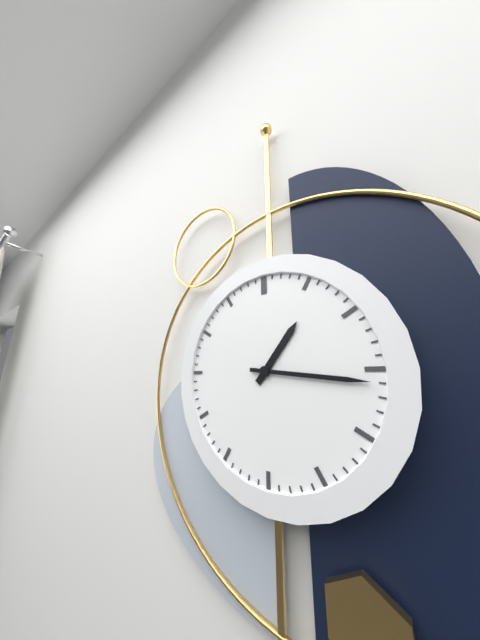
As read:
1:16
